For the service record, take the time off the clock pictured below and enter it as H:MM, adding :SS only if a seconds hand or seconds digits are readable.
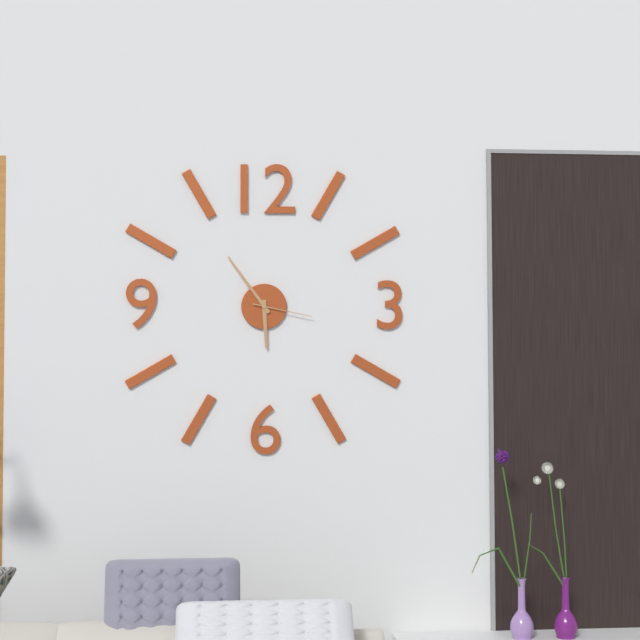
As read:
5:54:17
